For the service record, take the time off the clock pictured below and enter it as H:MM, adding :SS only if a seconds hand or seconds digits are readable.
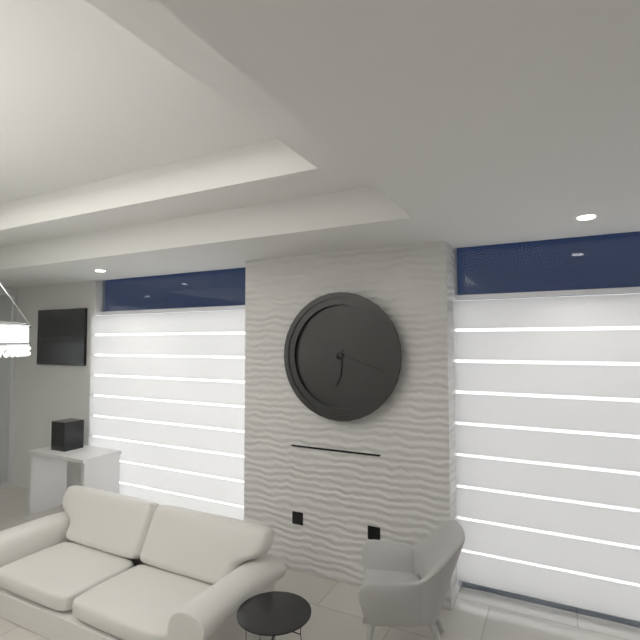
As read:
6:18
